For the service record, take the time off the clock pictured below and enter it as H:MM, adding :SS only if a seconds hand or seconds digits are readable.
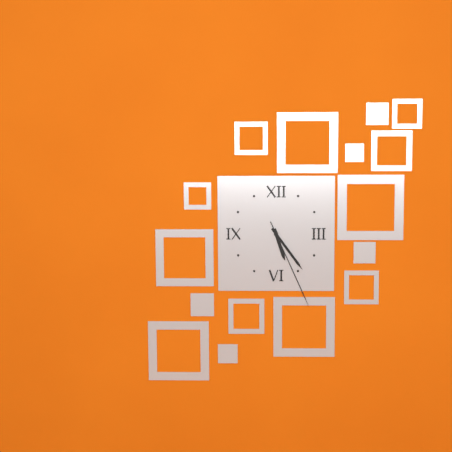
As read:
5:24:26
